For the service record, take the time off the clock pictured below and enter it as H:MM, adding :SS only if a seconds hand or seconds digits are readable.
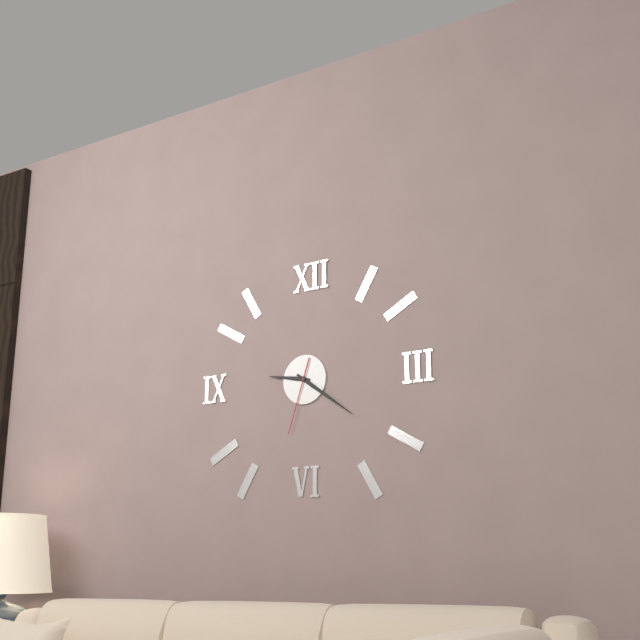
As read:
9:21:33
